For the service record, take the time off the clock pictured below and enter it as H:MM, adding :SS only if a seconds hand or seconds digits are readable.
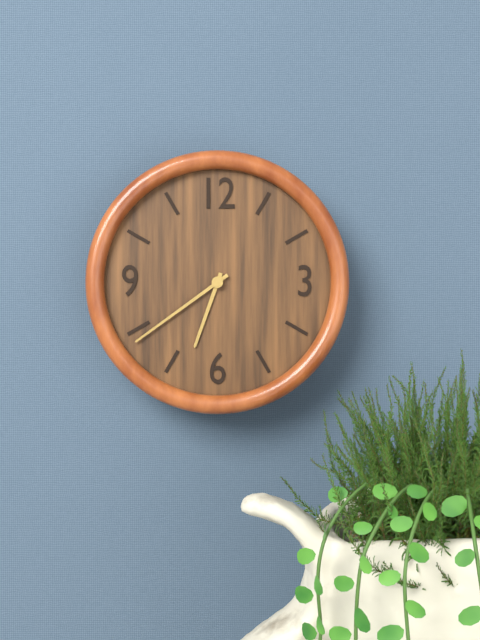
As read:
6:39
